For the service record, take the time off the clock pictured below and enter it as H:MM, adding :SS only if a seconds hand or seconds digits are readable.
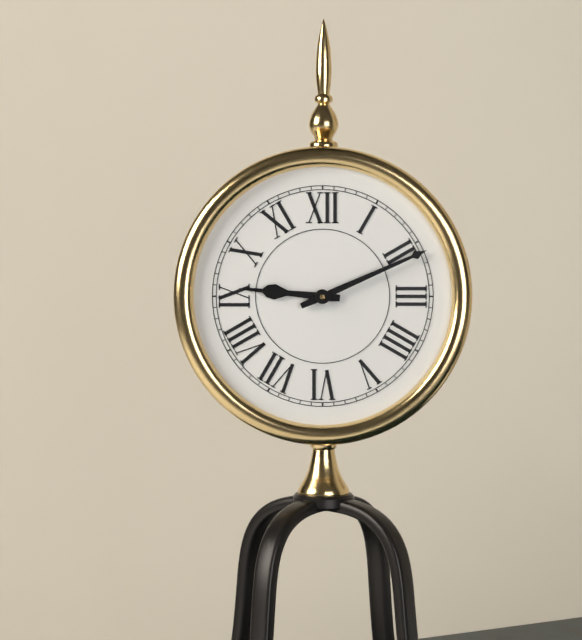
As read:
9:11
